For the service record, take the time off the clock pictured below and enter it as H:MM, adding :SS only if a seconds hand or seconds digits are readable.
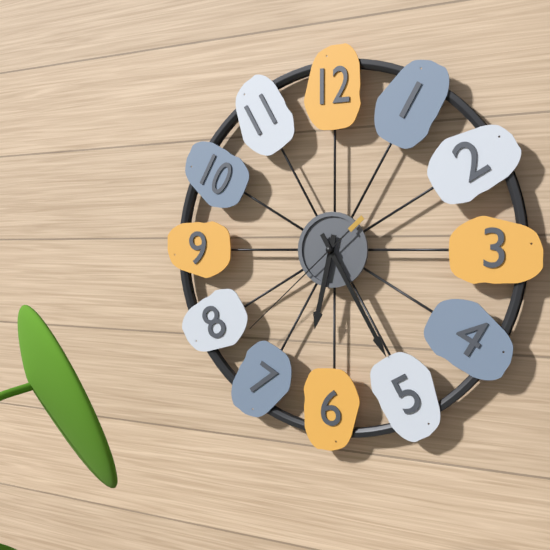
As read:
6:25:38
